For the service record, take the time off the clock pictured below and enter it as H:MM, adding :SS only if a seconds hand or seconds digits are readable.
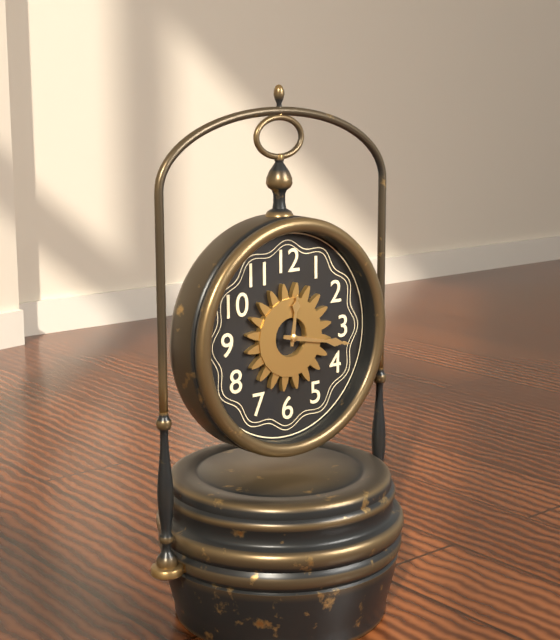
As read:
12:17
